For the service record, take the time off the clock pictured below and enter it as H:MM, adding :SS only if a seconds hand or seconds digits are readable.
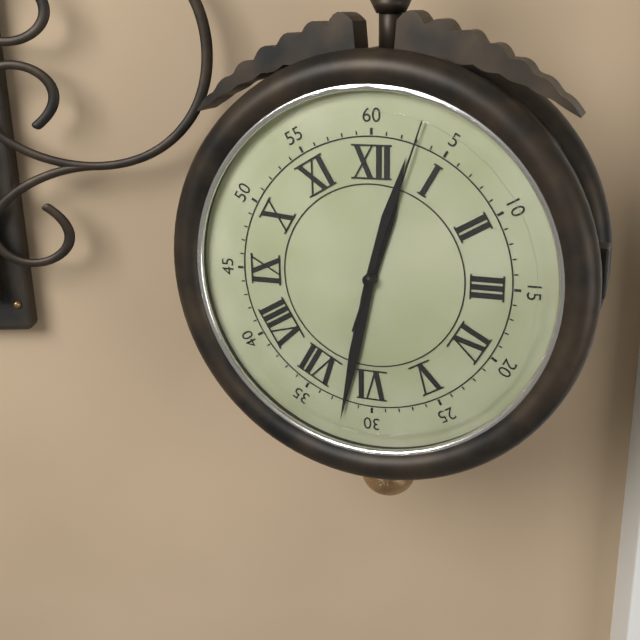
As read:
12:32:03
